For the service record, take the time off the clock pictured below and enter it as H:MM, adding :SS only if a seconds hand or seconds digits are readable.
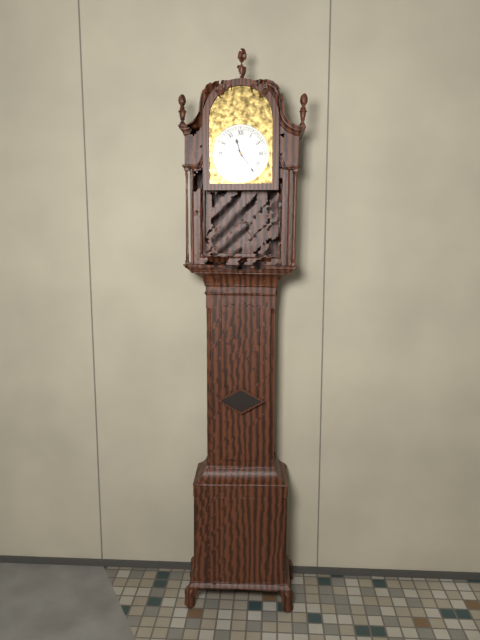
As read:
11:24
